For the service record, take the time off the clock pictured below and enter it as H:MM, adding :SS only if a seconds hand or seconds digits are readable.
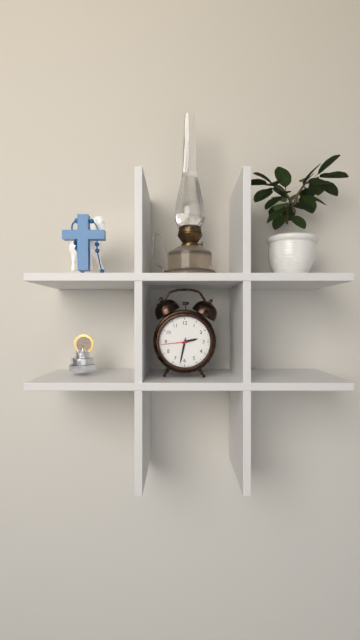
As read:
2:32
